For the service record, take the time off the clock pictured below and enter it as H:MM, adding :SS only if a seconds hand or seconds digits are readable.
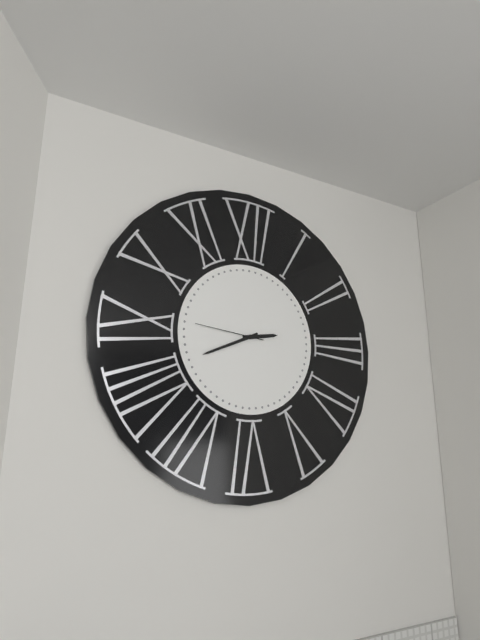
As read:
2:41:46
